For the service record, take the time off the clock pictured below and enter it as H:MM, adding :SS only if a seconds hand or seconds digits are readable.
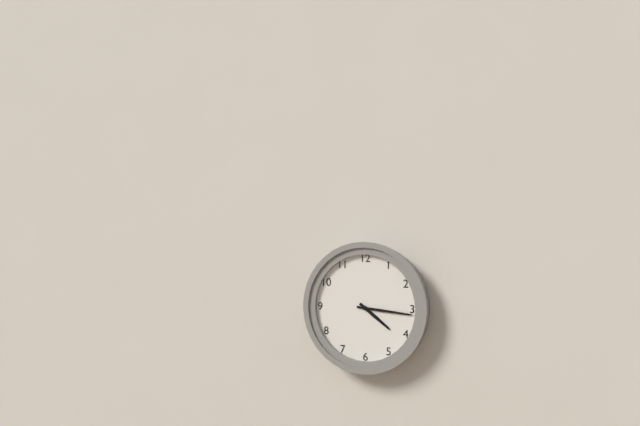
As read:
4:16
